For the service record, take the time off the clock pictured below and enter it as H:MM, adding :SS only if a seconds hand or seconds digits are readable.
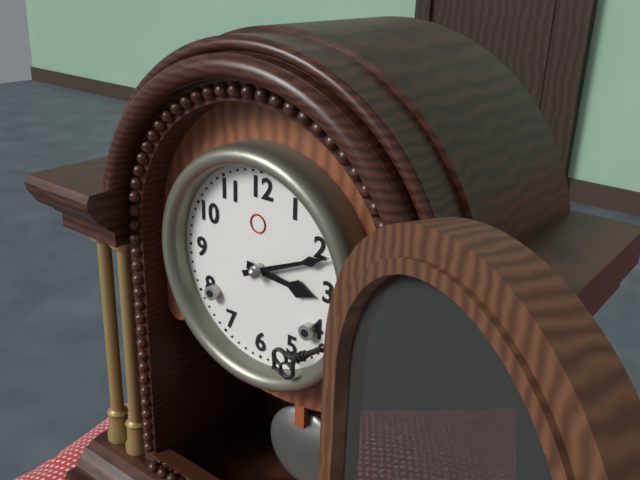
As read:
3:11
